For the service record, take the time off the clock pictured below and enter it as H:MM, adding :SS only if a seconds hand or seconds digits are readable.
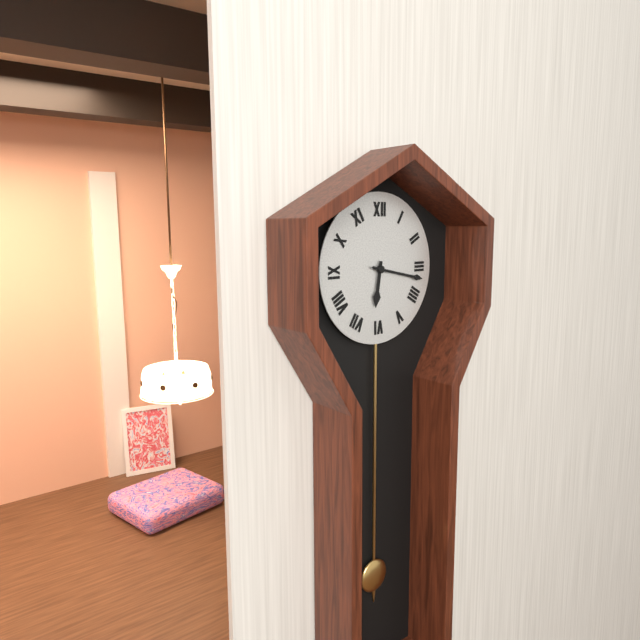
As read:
6:17
